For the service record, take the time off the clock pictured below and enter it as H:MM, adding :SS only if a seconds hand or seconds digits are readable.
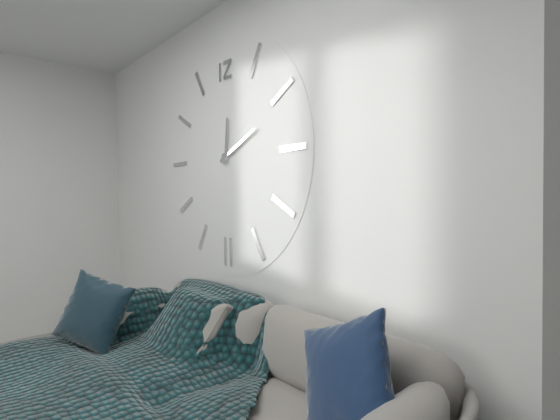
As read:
12:11
